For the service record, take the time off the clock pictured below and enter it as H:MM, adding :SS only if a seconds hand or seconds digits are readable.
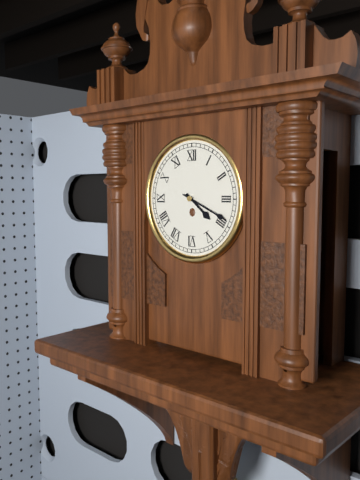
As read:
4:19
